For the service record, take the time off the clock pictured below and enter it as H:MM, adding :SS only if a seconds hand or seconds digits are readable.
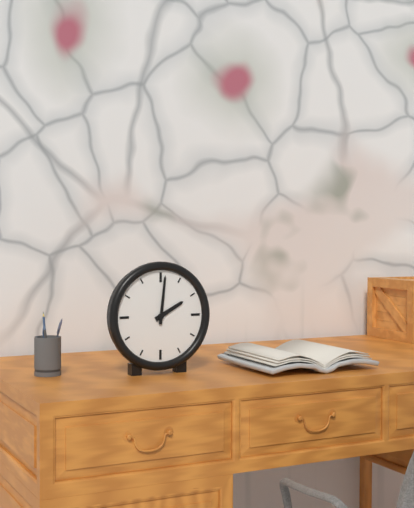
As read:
2:01
